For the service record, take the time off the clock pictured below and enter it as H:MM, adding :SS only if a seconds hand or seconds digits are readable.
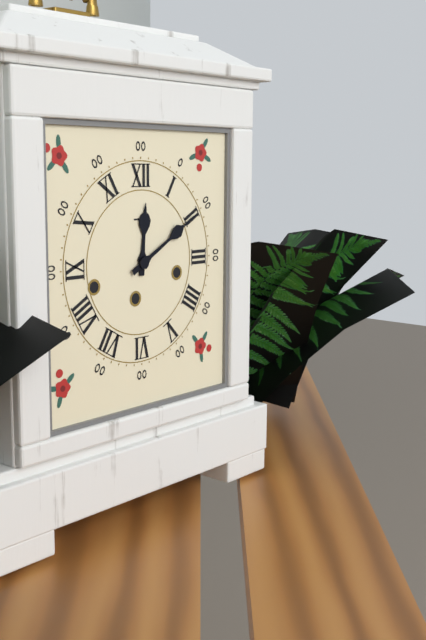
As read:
12:10
